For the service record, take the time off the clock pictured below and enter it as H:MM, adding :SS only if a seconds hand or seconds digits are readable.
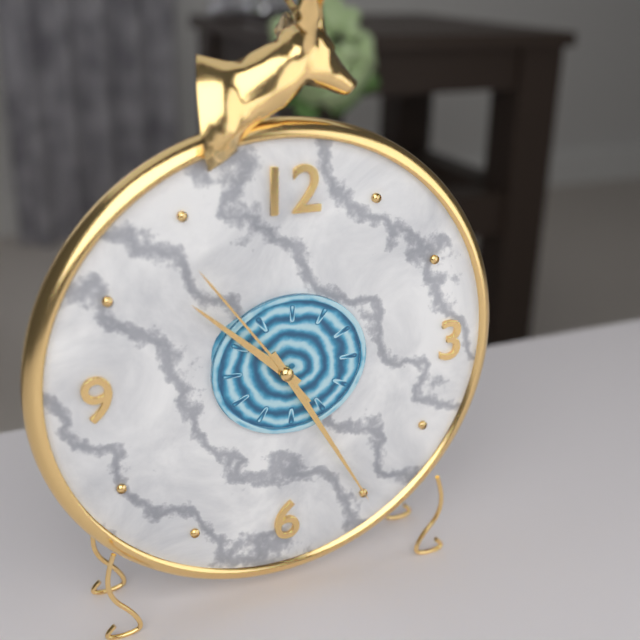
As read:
10:25:54
